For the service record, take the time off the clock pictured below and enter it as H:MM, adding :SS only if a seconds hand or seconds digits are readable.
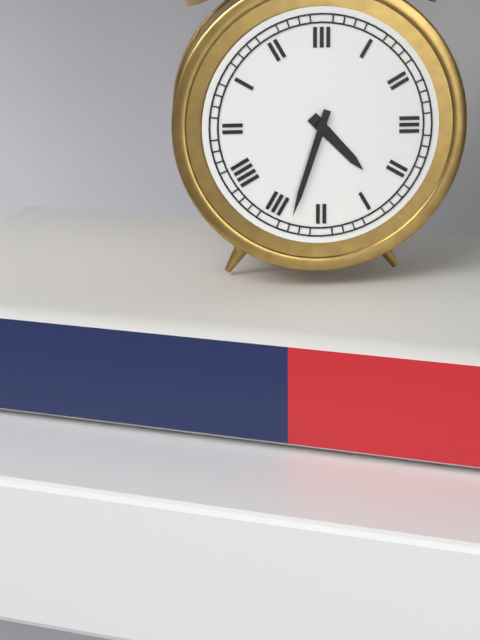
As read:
4:33
